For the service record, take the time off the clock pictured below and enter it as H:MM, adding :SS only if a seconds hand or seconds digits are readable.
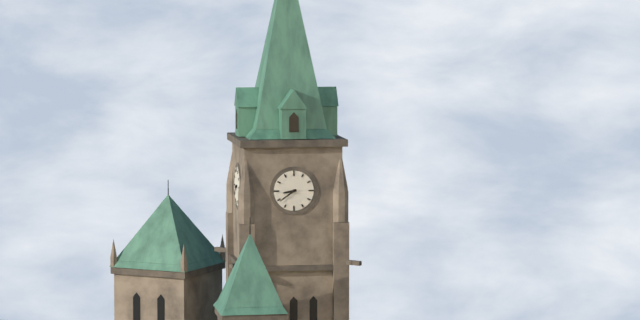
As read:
8:39
